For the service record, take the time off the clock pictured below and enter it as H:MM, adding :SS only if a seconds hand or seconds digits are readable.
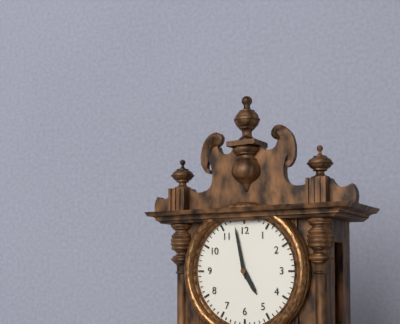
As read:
4:58
